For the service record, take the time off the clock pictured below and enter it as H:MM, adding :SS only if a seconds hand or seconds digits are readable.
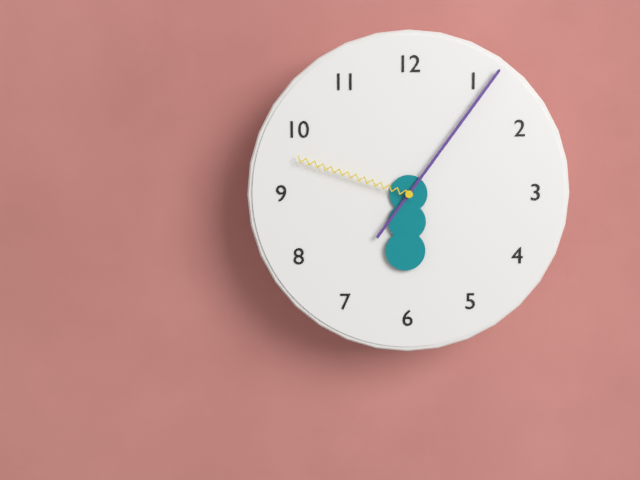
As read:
6:06:48
